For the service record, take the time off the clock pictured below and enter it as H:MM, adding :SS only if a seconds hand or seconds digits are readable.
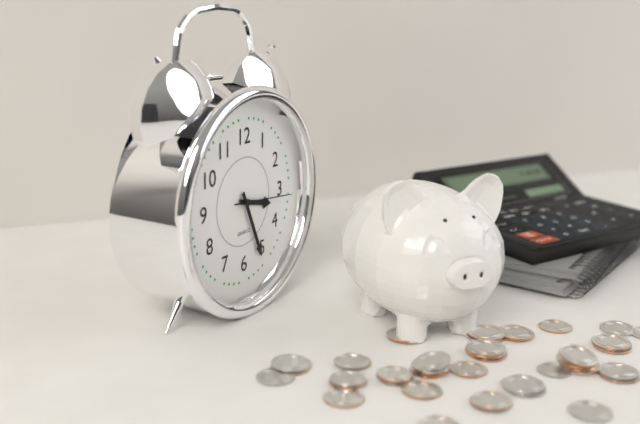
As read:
3:26:16
